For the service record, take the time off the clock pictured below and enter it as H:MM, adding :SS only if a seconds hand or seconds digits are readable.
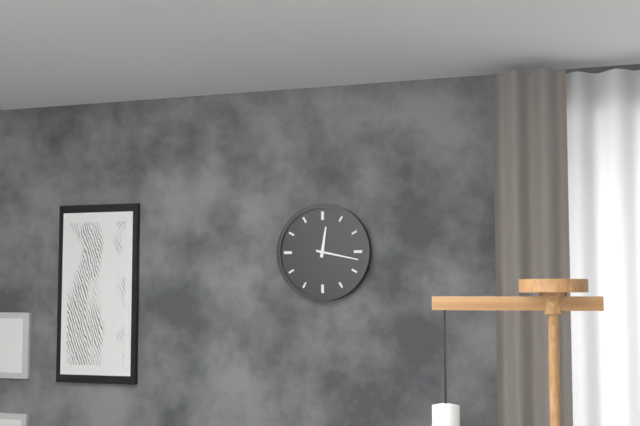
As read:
12:17
